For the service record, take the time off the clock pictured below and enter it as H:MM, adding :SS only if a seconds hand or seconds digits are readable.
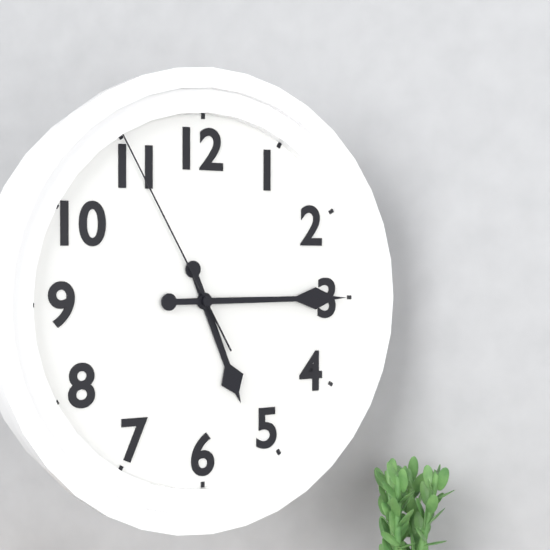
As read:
5:15:55
